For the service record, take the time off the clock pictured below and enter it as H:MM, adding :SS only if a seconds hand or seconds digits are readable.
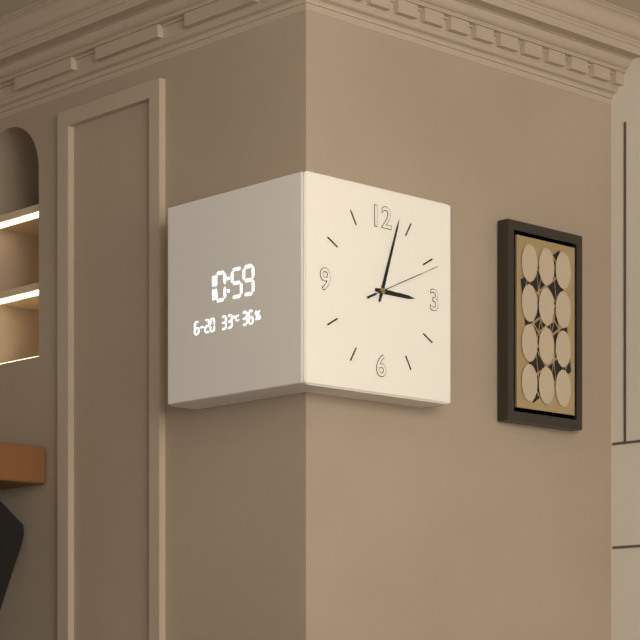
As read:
3:03:11
